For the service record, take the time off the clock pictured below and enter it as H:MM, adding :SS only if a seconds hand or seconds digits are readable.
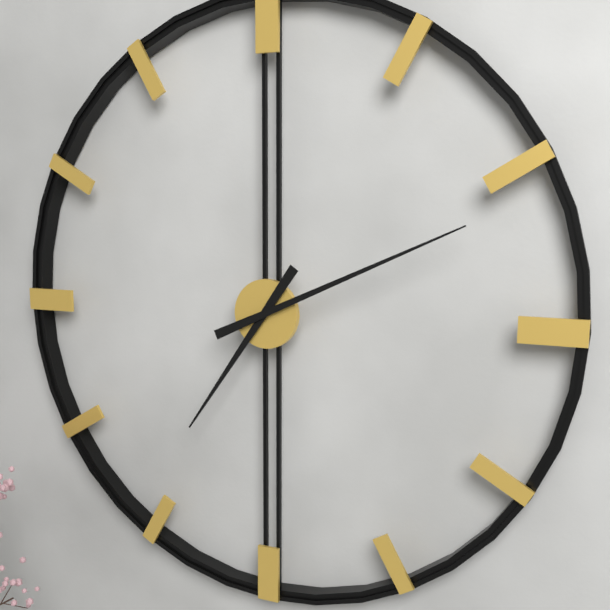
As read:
7:11
